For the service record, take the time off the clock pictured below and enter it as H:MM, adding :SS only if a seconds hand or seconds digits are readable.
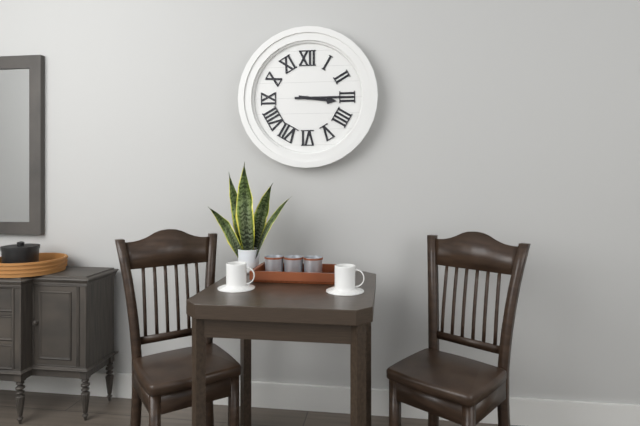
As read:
3:15
